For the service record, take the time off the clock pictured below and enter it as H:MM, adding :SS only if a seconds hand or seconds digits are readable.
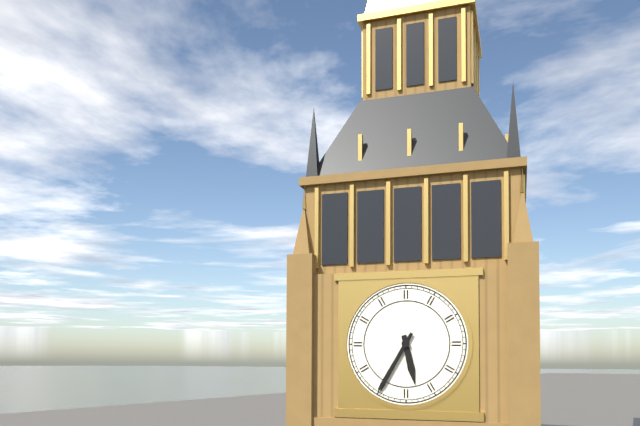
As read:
5:35
